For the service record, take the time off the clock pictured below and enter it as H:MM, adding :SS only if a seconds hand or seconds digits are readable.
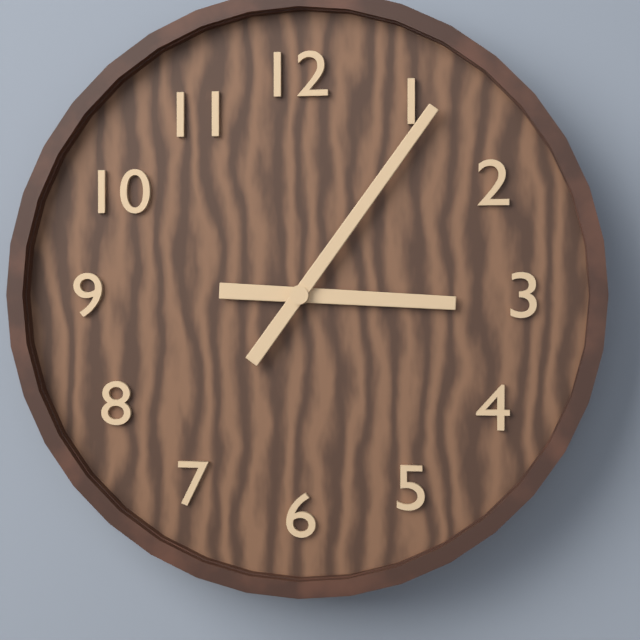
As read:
3:06
